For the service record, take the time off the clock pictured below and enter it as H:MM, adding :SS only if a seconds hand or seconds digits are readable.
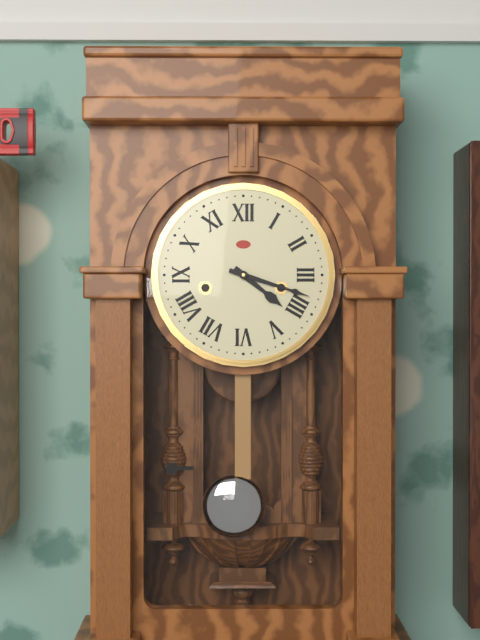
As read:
4:18
